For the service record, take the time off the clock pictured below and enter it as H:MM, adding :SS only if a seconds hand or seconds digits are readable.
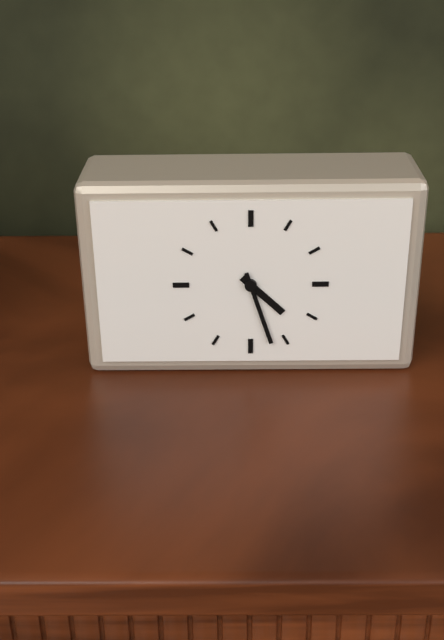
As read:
4:27
